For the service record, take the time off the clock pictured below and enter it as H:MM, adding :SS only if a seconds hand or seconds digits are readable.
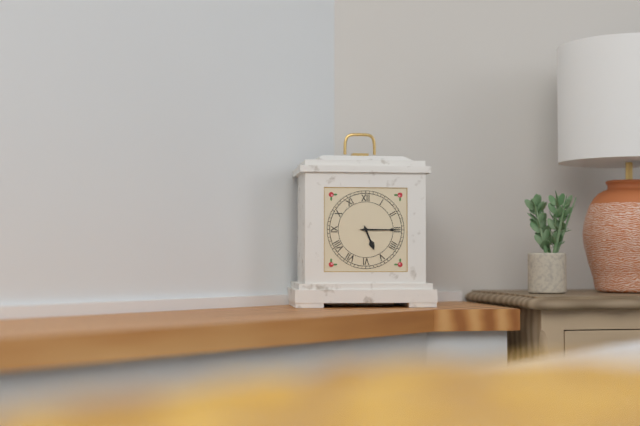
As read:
5:15
